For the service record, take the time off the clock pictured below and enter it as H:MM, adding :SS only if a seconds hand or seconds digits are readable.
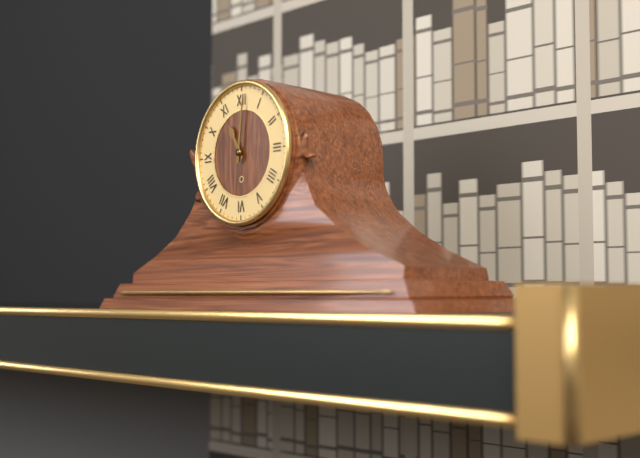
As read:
11:01
